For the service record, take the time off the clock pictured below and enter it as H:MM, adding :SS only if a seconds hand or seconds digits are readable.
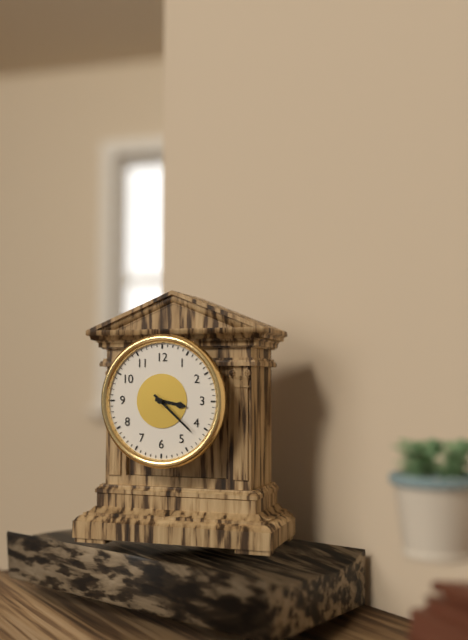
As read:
3:22
